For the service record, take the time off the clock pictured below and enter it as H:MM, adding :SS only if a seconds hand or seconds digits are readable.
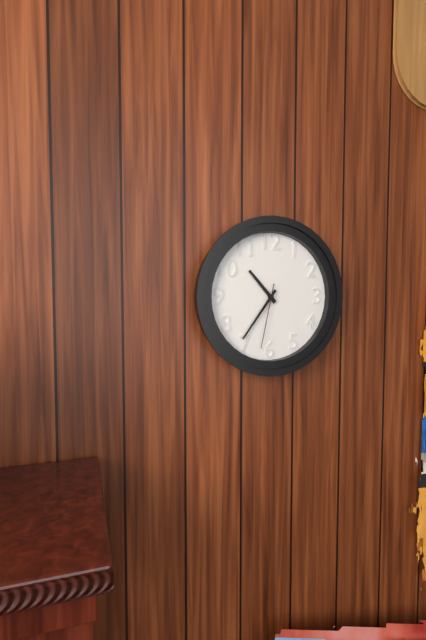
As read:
10:36:32
